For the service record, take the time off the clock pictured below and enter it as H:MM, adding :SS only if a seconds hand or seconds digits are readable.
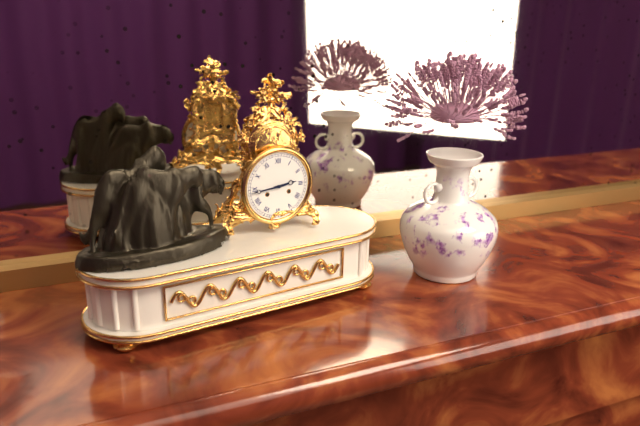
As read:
2:44
